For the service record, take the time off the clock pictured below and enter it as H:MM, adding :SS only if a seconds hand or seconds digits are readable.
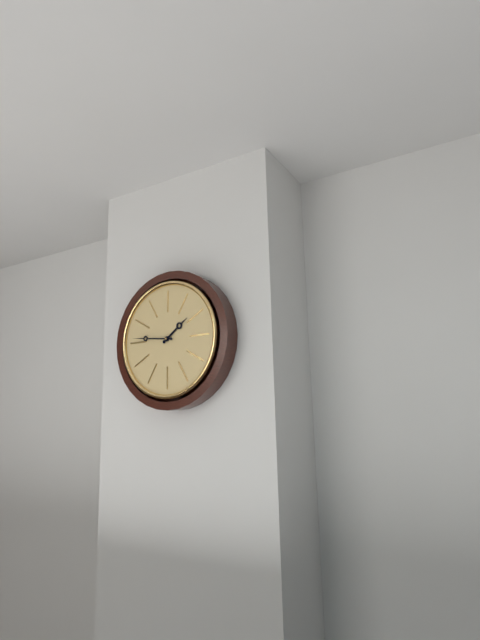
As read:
1:46
